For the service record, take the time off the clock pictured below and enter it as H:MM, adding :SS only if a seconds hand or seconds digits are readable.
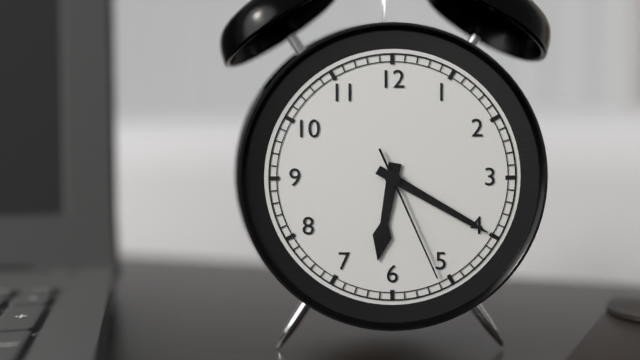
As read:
6:20:26
